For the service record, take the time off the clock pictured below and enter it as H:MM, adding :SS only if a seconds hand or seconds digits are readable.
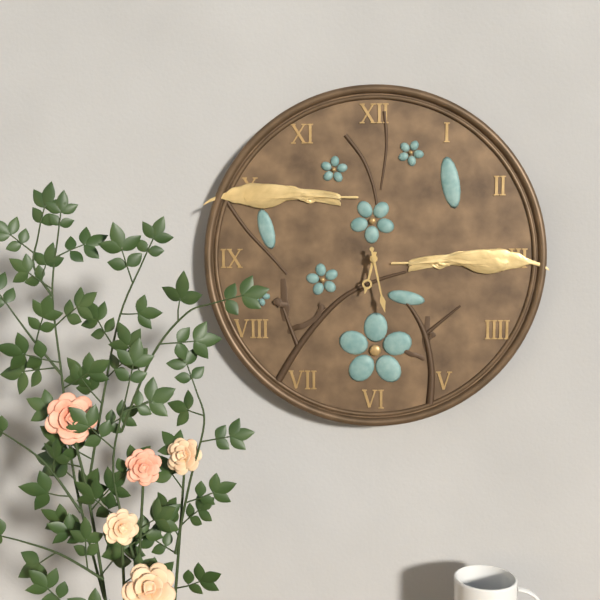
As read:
6:28
